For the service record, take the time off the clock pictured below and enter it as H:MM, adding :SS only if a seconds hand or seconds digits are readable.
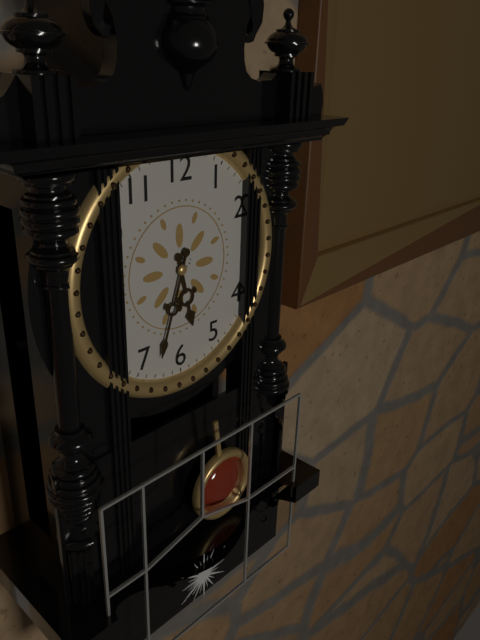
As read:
5:33
